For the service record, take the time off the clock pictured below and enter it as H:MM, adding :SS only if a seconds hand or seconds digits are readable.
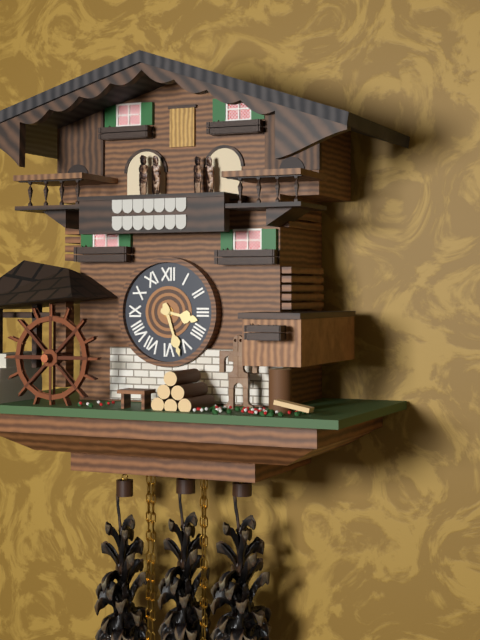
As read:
3:27
